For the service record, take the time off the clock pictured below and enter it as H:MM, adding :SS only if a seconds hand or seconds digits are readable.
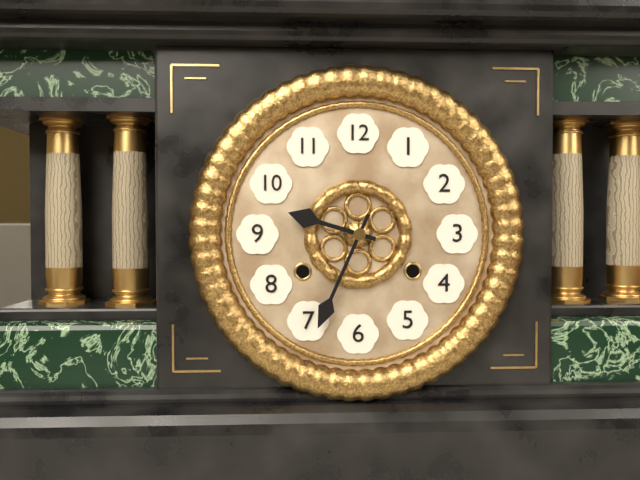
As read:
9:34
